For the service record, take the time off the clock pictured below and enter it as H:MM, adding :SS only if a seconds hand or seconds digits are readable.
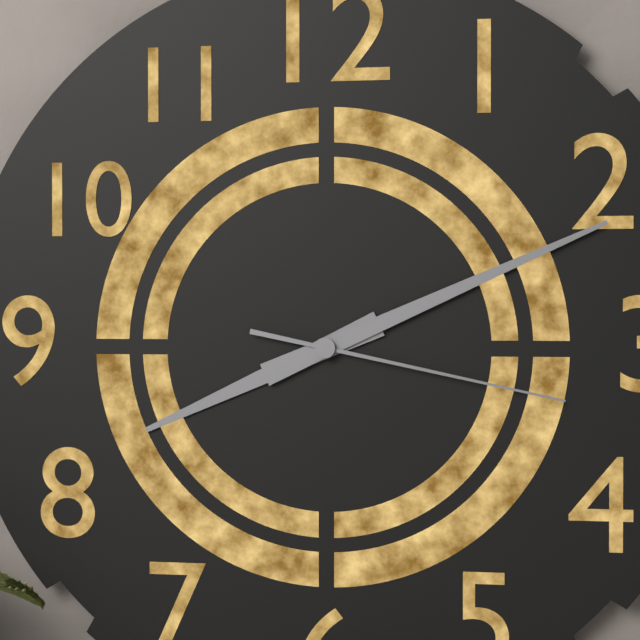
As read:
8:11:17
